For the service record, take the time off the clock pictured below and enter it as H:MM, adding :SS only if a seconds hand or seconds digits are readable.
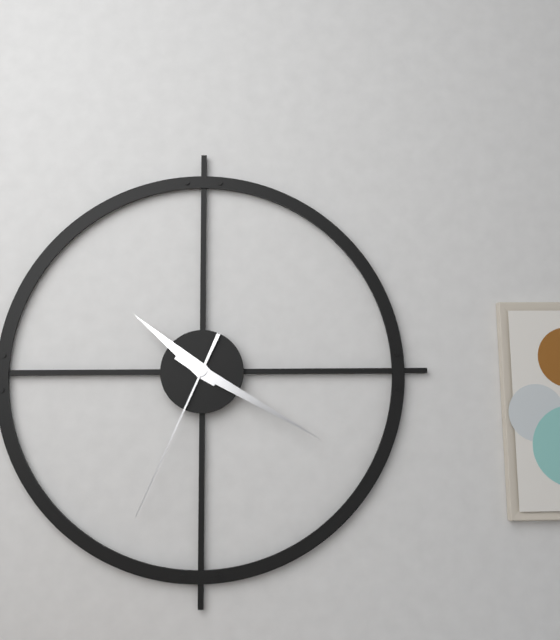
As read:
10:20:34
